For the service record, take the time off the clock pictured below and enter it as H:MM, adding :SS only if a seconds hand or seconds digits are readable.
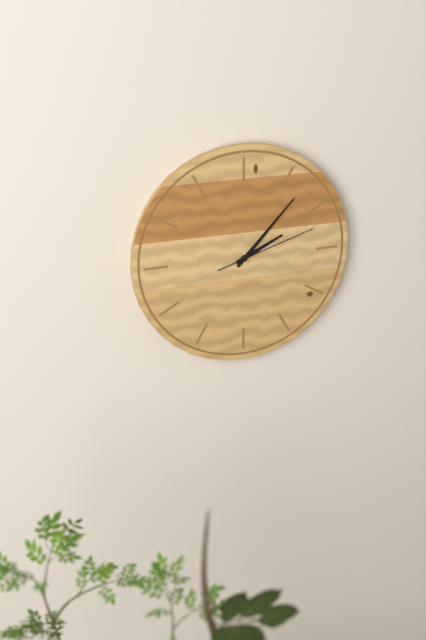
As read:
2:07:12
